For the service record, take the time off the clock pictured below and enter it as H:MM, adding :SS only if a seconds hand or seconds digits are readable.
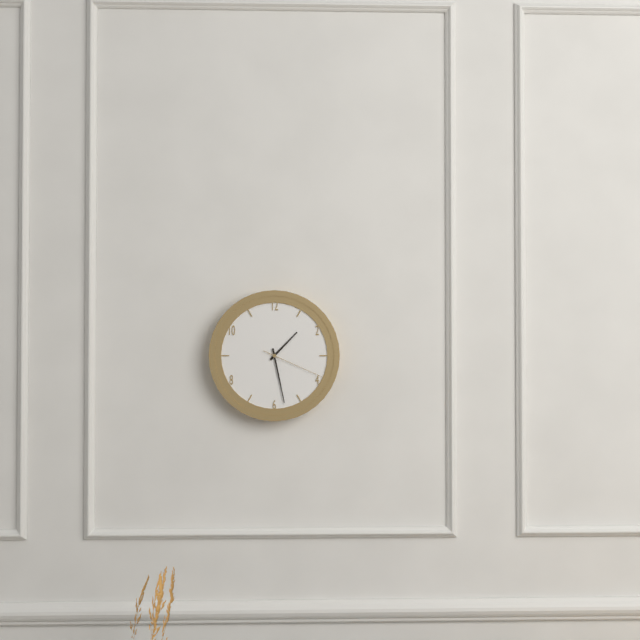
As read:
1:28:19
